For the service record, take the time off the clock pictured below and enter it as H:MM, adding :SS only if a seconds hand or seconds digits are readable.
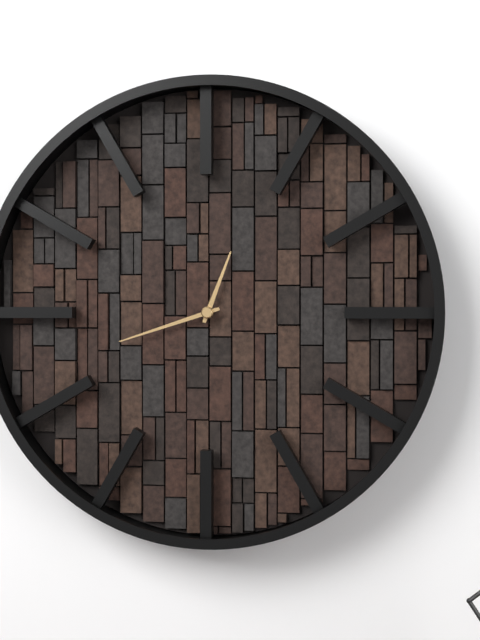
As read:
12:42
